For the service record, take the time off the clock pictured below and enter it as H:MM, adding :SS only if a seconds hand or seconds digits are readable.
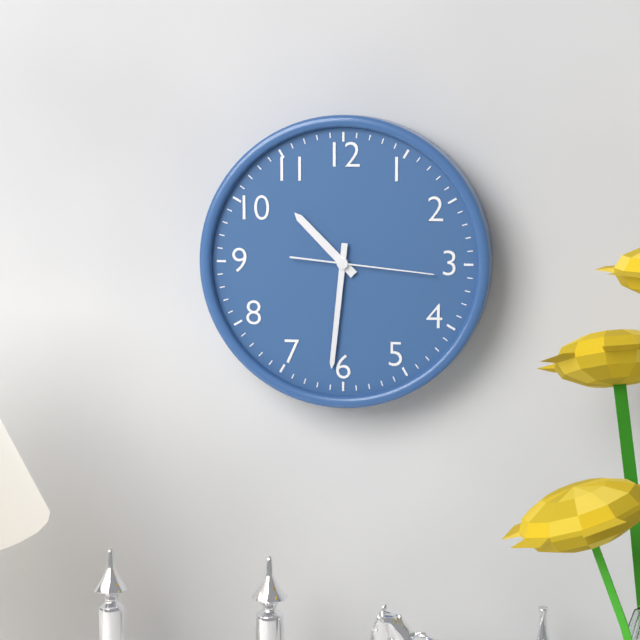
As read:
10:31:16
